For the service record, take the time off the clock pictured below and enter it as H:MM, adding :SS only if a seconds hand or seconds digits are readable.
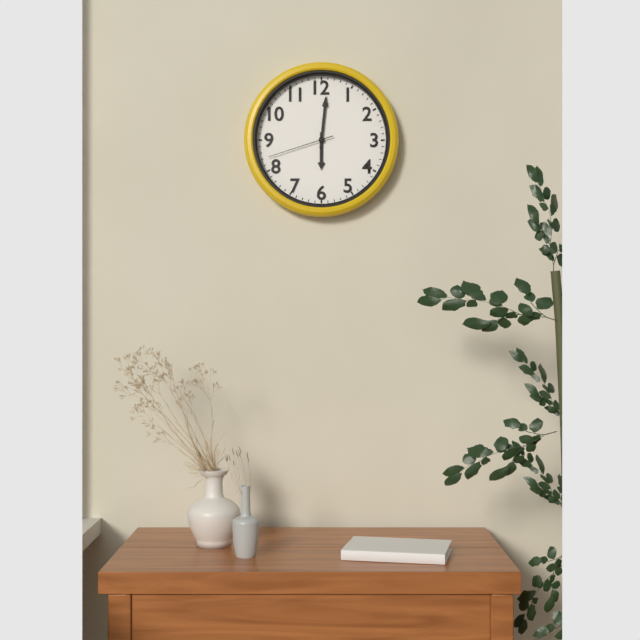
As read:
6:01:42
